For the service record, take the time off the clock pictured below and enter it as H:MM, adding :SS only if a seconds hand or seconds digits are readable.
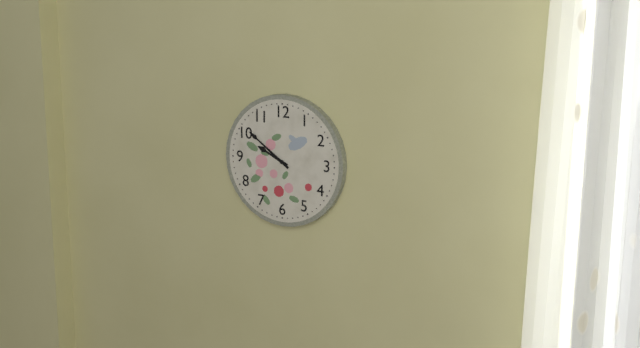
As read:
9:51
